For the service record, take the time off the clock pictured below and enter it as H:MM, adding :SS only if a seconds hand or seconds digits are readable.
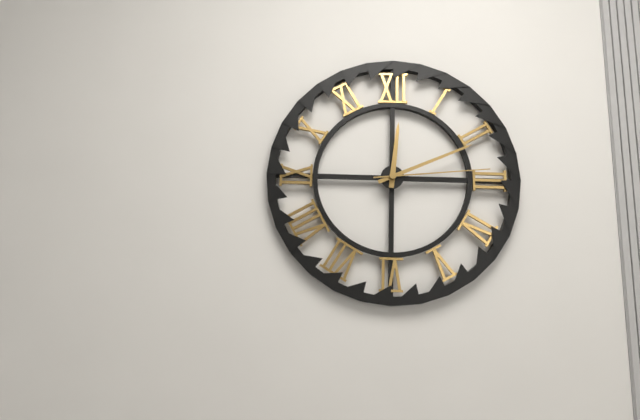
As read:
12:11:14
